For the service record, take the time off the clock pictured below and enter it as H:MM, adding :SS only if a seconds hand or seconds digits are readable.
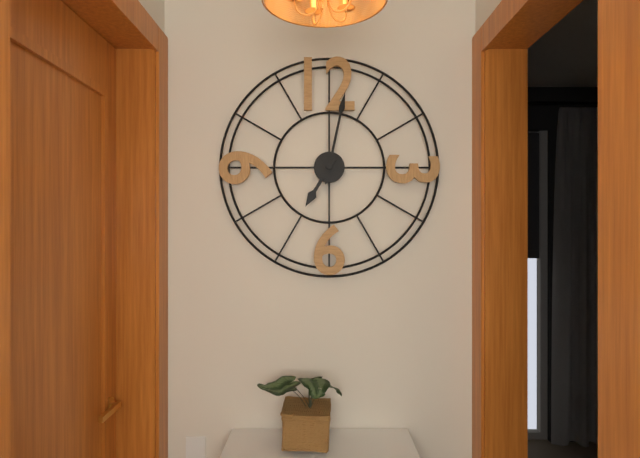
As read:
7:02
